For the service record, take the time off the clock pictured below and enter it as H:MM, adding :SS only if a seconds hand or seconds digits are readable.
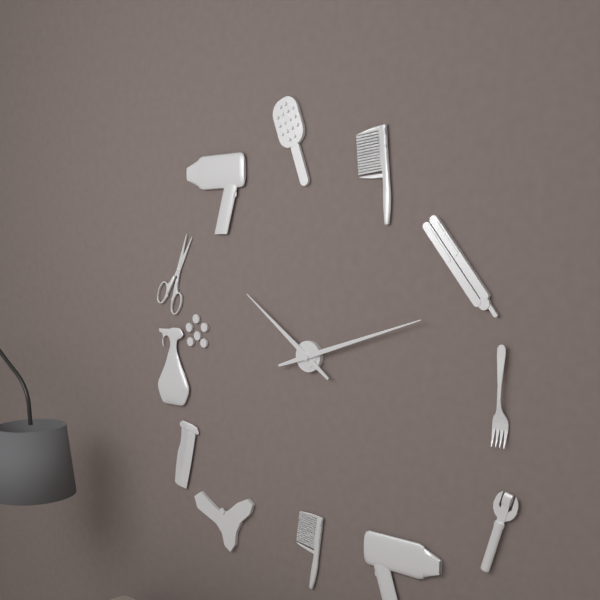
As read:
10:12
